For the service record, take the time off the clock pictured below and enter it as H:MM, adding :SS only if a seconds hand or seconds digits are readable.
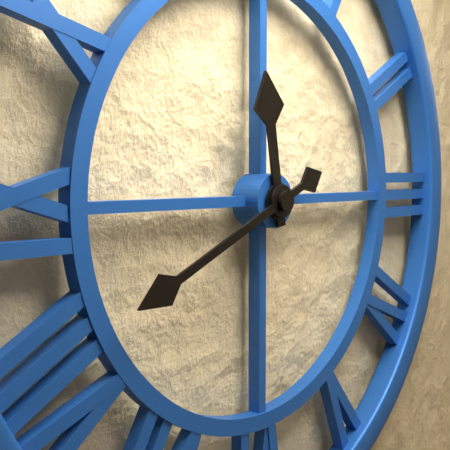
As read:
11:41
